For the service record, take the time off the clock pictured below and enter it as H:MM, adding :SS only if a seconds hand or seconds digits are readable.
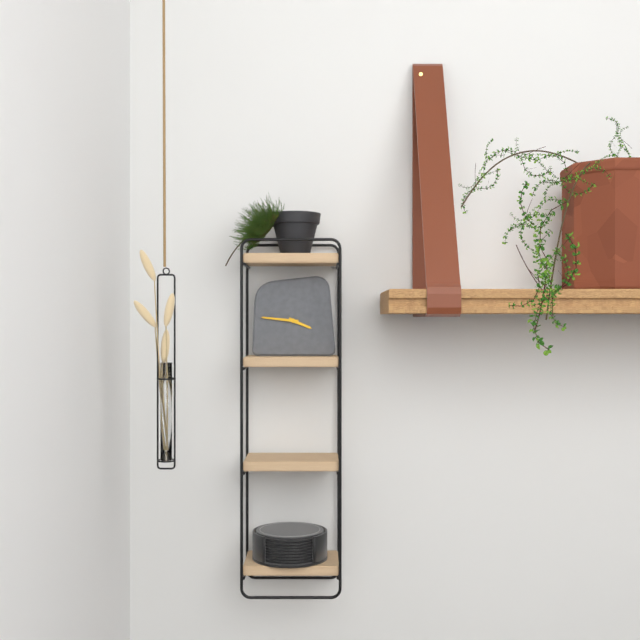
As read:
3:46
